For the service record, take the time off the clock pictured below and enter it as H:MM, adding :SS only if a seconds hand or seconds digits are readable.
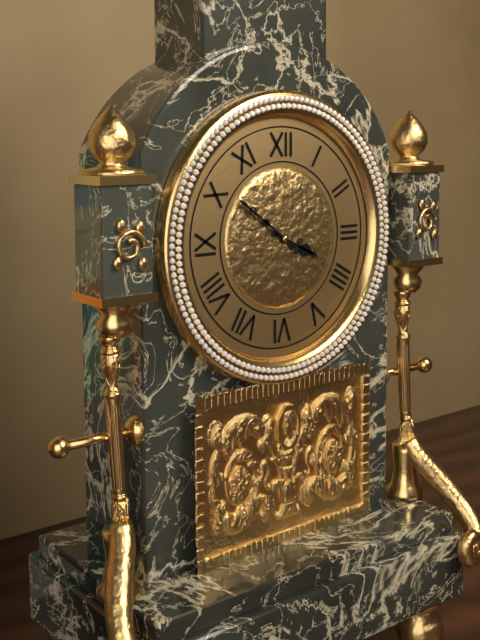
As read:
3:51
